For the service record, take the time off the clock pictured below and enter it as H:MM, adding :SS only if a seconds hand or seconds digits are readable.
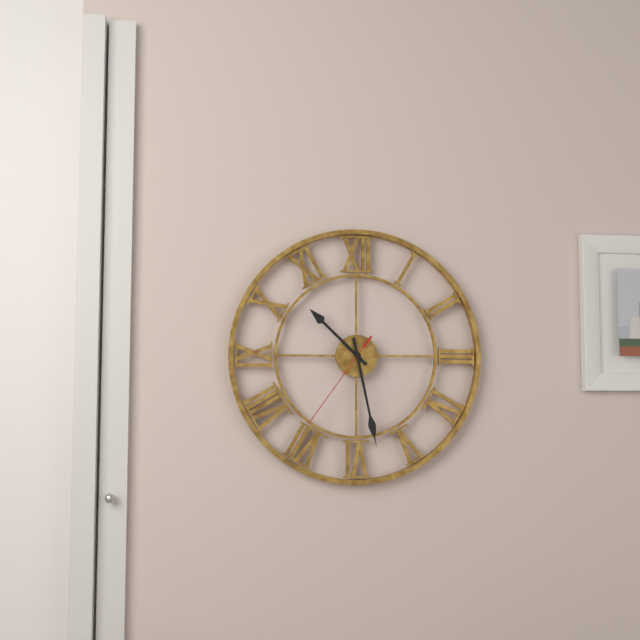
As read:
10:28:36
